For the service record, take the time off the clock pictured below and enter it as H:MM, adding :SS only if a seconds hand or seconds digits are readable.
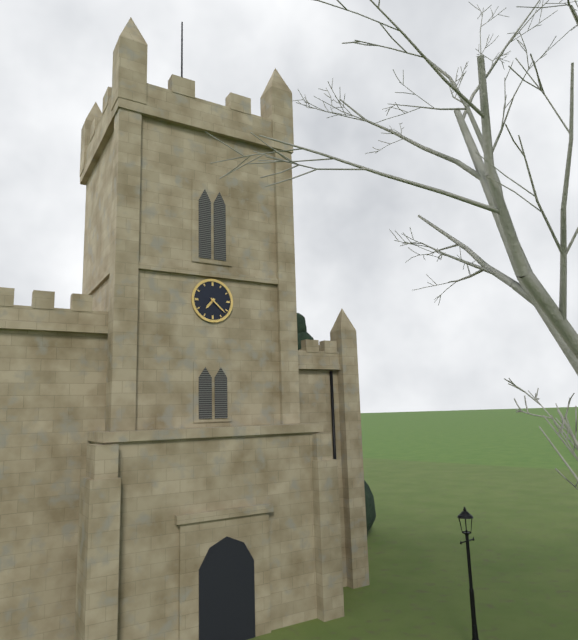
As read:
7:22
